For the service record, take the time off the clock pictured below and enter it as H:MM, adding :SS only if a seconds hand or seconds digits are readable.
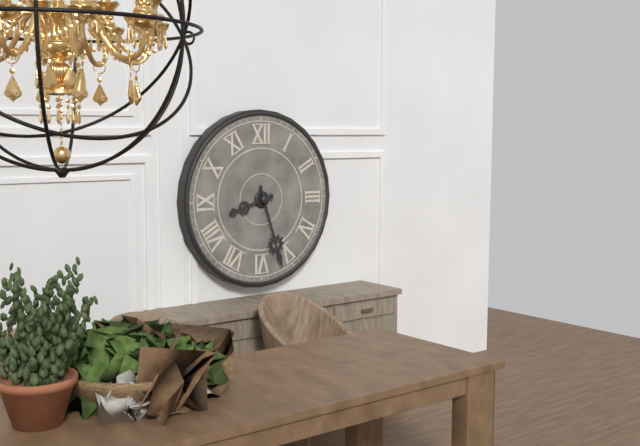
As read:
8:27
